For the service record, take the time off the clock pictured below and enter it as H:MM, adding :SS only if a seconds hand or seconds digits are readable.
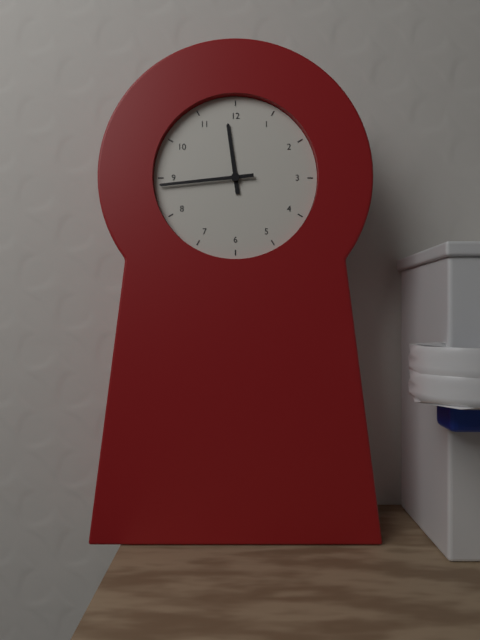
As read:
11:44
